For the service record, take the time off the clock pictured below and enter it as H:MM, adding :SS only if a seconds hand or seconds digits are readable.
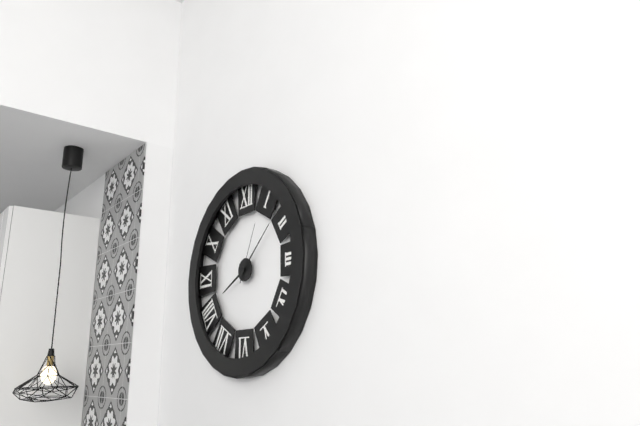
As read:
8:08:04
